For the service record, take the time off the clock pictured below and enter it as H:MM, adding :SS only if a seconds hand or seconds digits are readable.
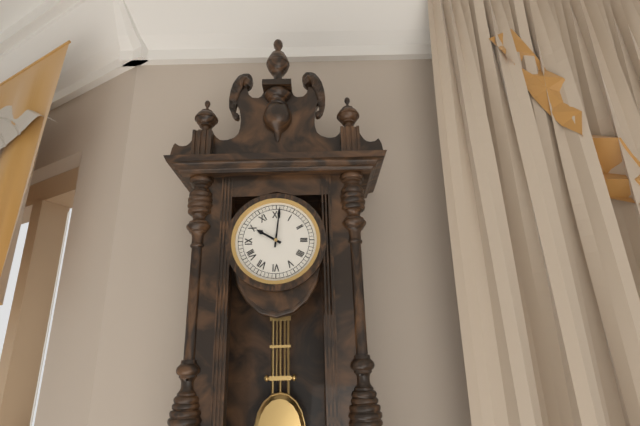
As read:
10:01
